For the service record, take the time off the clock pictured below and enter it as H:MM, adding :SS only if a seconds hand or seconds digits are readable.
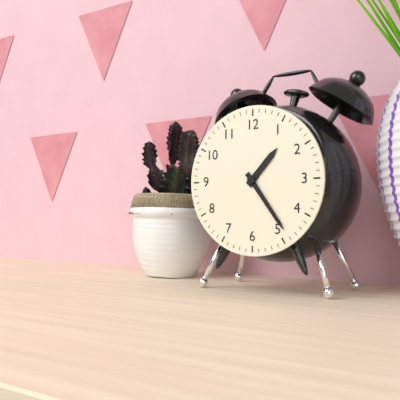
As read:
1:24
